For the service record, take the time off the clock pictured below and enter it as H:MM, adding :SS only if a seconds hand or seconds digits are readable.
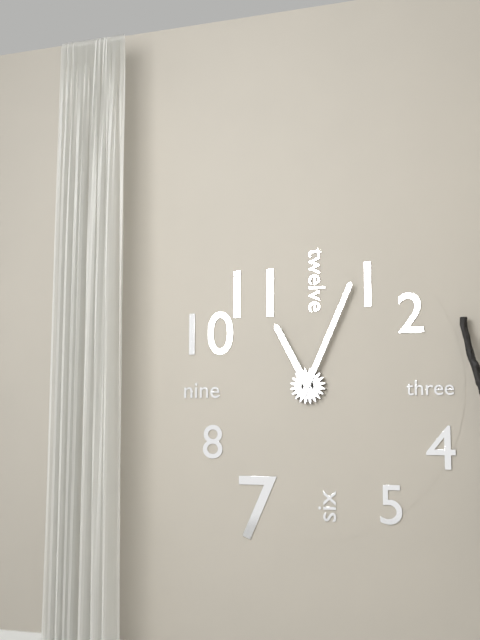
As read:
11:04
